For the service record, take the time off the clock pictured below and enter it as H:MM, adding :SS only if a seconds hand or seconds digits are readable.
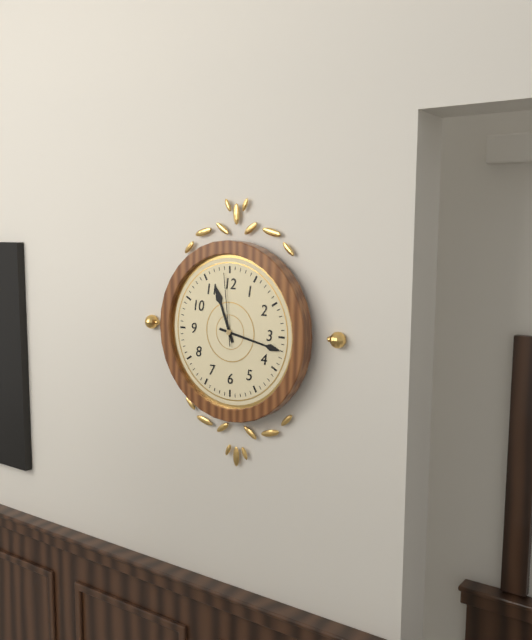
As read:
11:17:59
